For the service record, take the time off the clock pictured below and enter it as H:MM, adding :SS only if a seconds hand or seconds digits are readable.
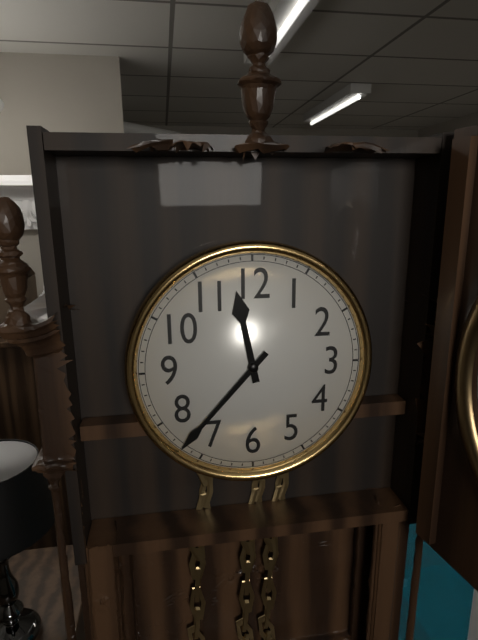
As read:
11:37
